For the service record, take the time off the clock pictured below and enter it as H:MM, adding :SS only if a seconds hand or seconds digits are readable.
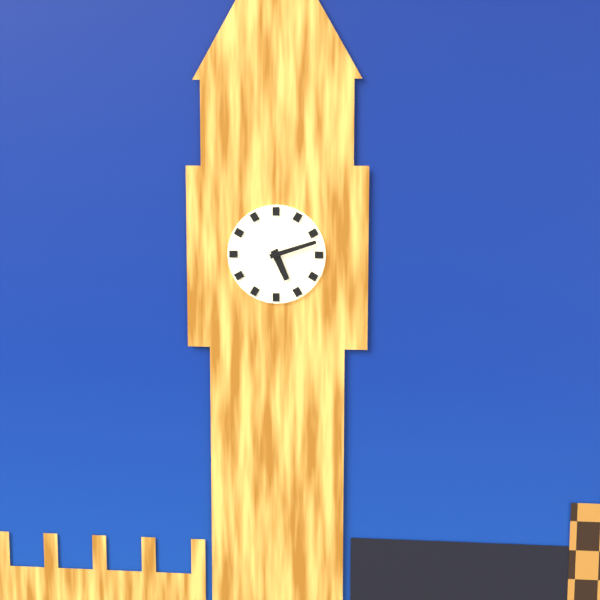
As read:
5:12
